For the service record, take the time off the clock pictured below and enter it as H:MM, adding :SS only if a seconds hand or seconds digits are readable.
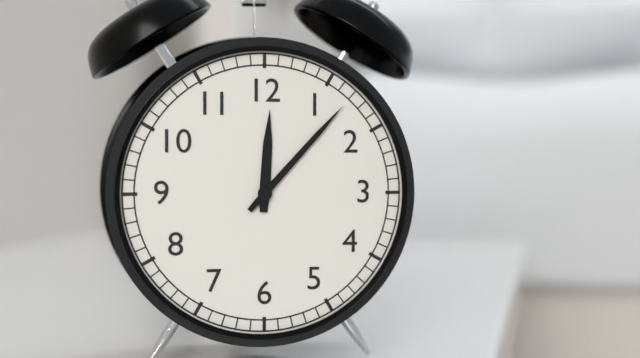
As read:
12:07
